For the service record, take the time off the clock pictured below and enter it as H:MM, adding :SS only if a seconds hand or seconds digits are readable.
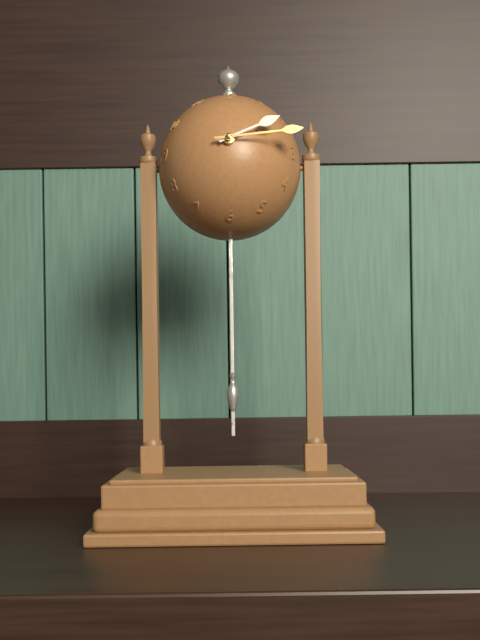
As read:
2:14
